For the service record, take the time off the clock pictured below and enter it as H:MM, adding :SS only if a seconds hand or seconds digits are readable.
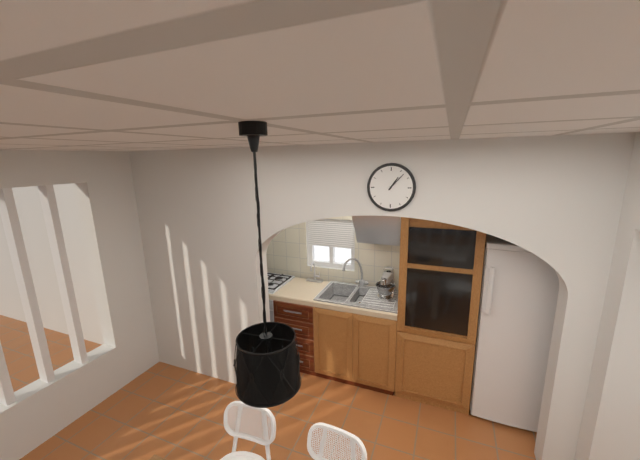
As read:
1:07
